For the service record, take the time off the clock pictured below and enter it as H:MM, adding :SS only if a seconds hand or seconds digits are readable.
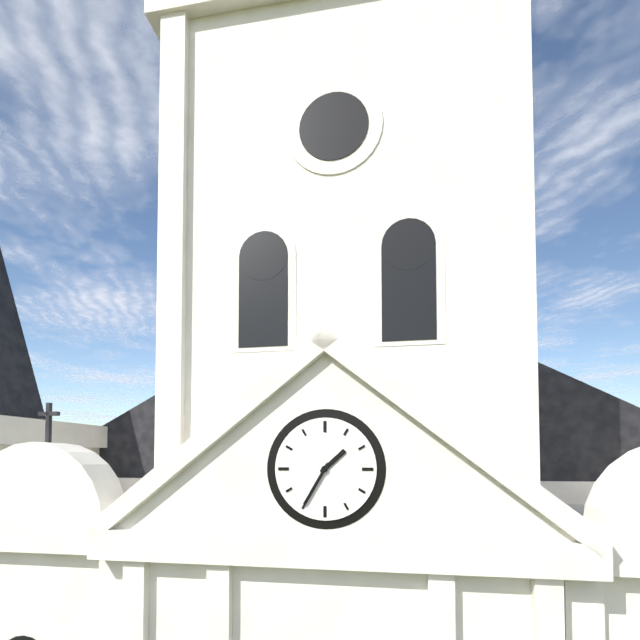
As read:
1:35
